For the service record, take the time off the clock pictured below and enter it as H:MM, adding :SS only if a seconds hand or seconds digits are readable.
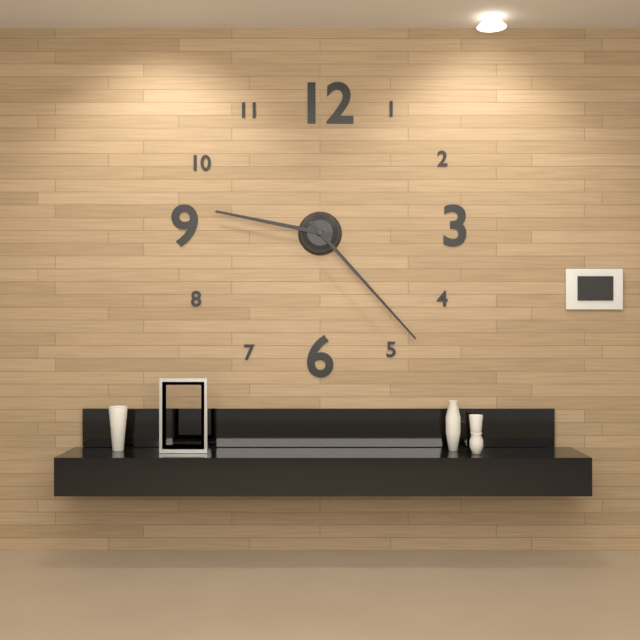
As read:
9:23
